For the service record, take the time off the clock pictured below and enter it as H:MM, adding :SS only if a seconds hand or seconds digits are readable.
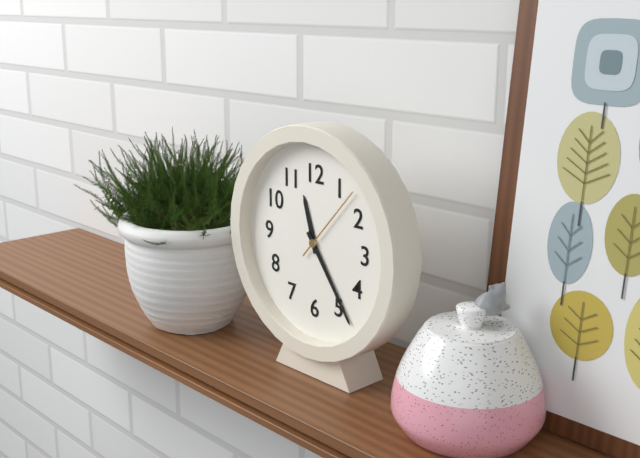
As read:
11:24:07
